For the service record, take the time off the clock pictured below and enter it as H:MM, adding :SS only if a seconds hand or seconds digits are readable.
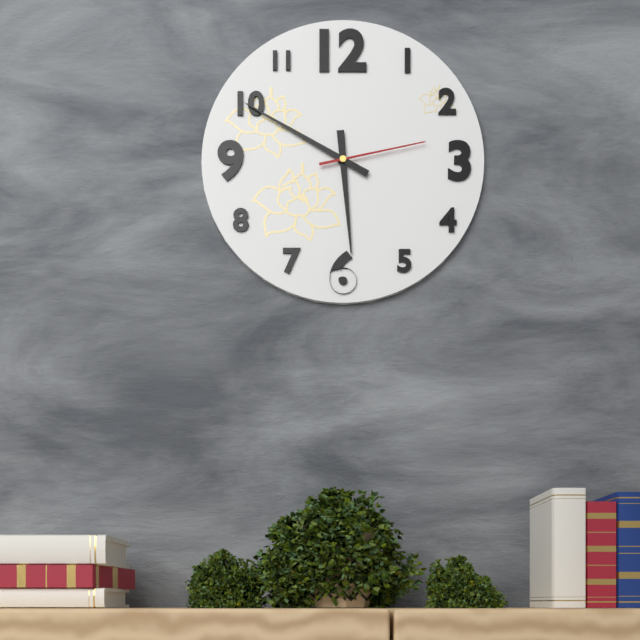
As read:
5:50:13
